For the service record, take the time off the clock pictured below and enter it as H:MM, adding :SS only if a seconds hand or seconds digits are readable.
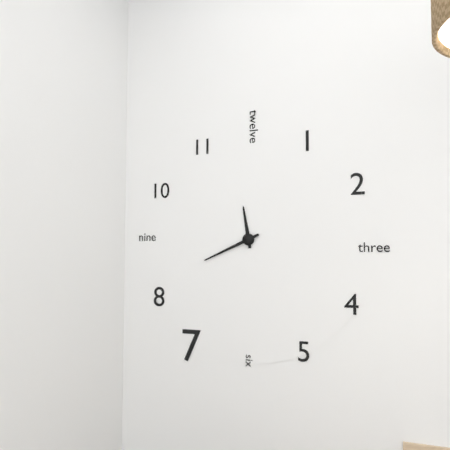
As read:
11:41
